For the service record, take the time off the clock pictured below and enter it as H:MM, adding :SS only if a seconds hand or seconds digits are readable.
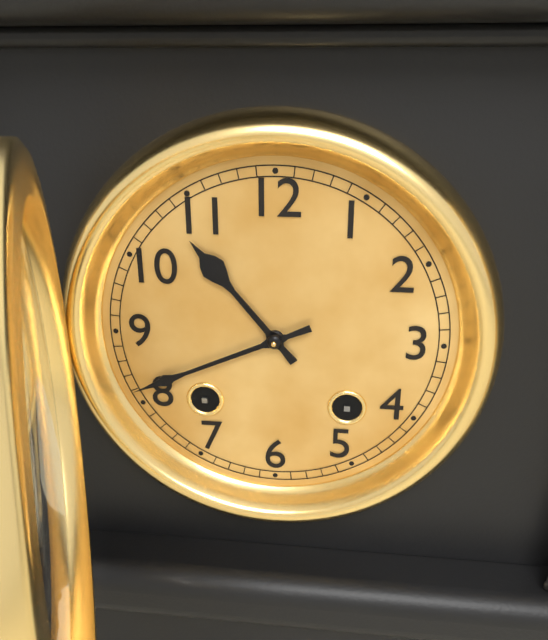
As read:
10:41
